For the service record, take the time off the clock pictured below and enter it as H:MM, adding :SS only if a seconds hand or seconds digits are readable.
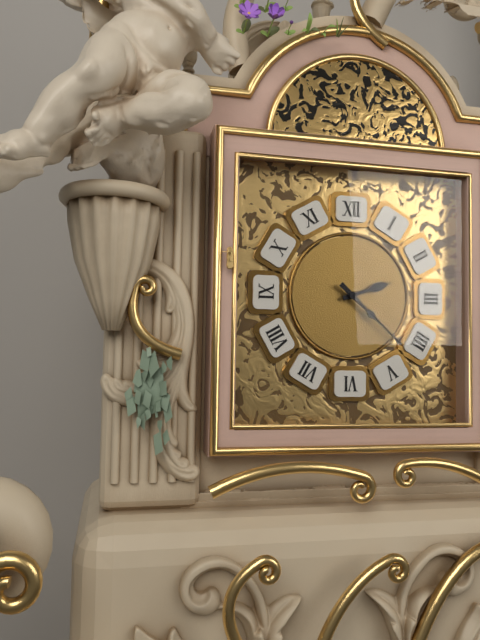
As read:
2:22
